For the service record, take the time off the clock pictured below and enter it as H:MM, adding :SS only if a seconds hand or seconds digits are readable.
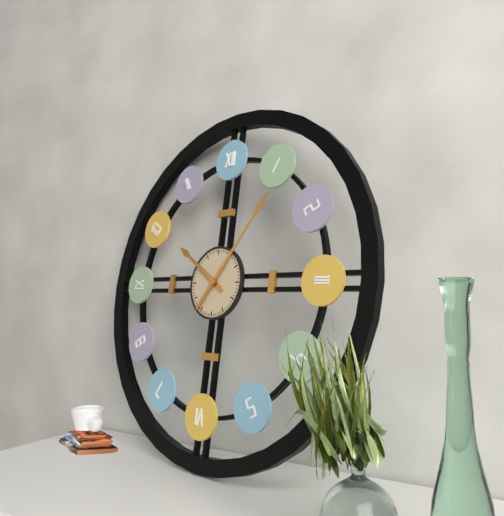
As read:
10:06
